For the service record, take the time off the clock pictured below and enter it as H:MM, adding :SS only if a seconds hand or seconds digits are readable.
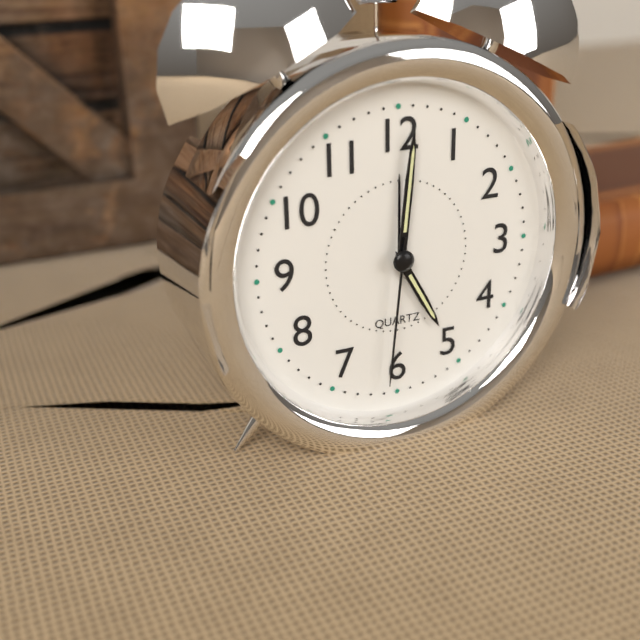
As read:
5:01:31
